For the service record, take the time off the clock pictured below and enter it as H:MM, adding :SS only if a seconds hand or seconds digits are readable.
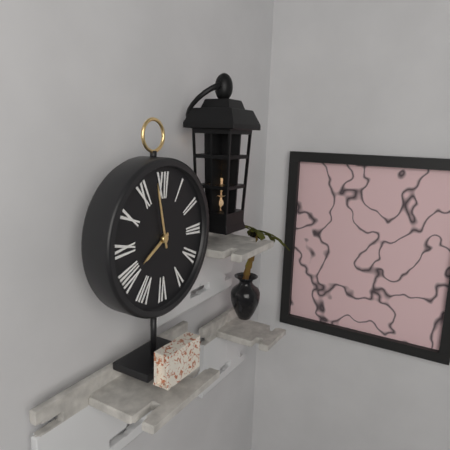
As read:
7:58
